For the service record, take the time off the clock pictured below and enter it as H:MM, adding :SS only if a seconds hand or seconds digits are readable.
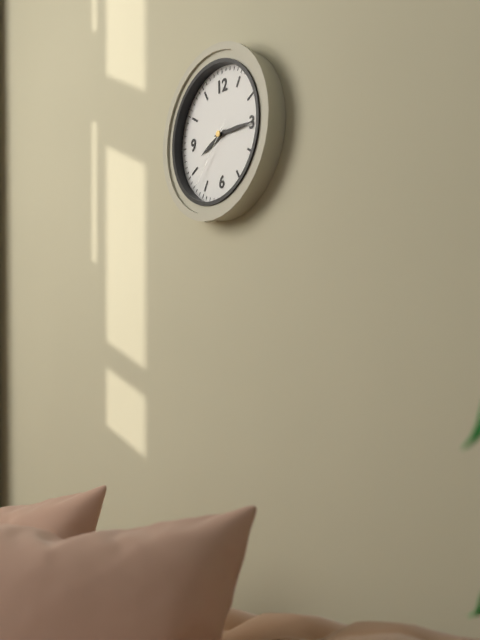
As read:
8:15:37
